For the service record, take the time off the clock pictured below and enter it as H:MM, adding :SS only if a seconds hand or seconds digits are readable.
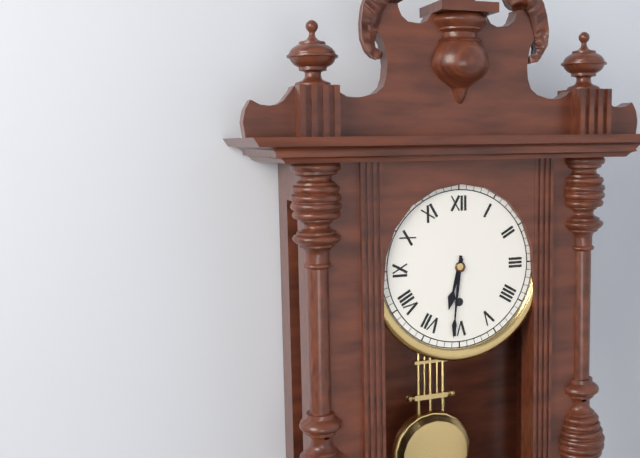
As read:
6:31
